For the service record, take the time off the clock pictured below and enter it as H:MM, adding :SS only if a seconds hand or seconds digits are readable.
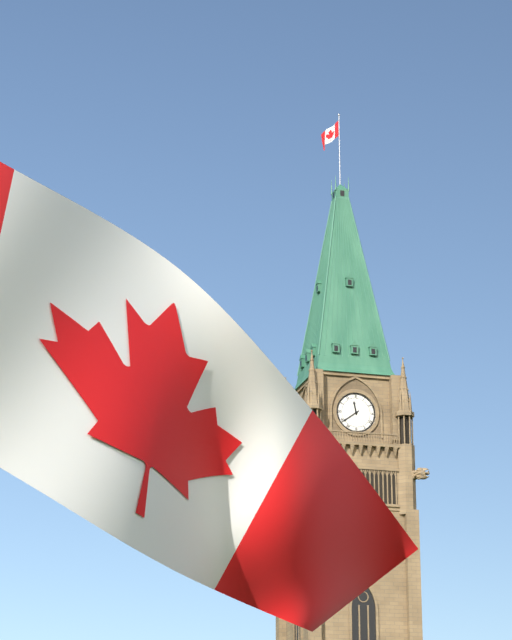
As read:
11:39
